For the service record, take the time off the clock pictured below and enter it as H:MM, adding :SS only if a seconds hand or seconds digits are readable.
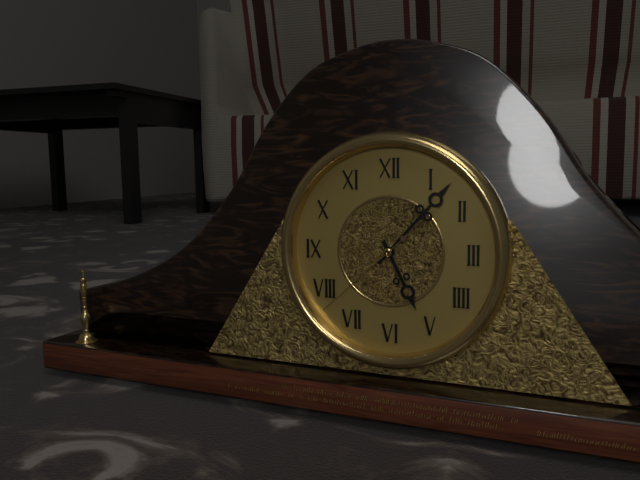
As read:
5:07:38
